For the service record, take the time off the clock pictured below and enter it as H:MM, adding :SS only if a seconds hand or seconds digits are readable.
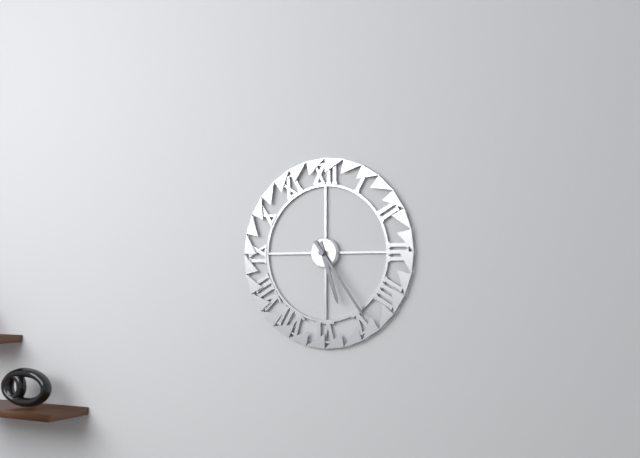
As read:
5:24
